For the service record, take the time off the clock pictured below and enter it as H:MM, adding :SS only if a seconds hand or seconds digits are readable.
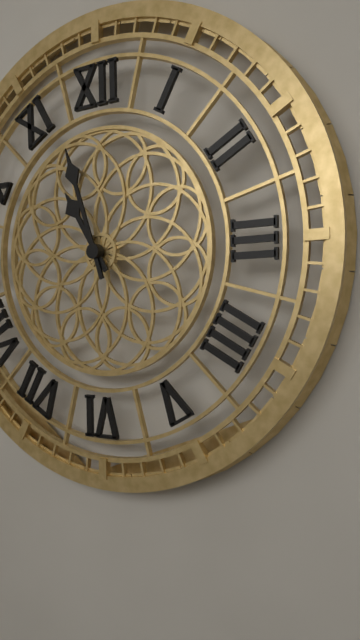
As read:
10:57
